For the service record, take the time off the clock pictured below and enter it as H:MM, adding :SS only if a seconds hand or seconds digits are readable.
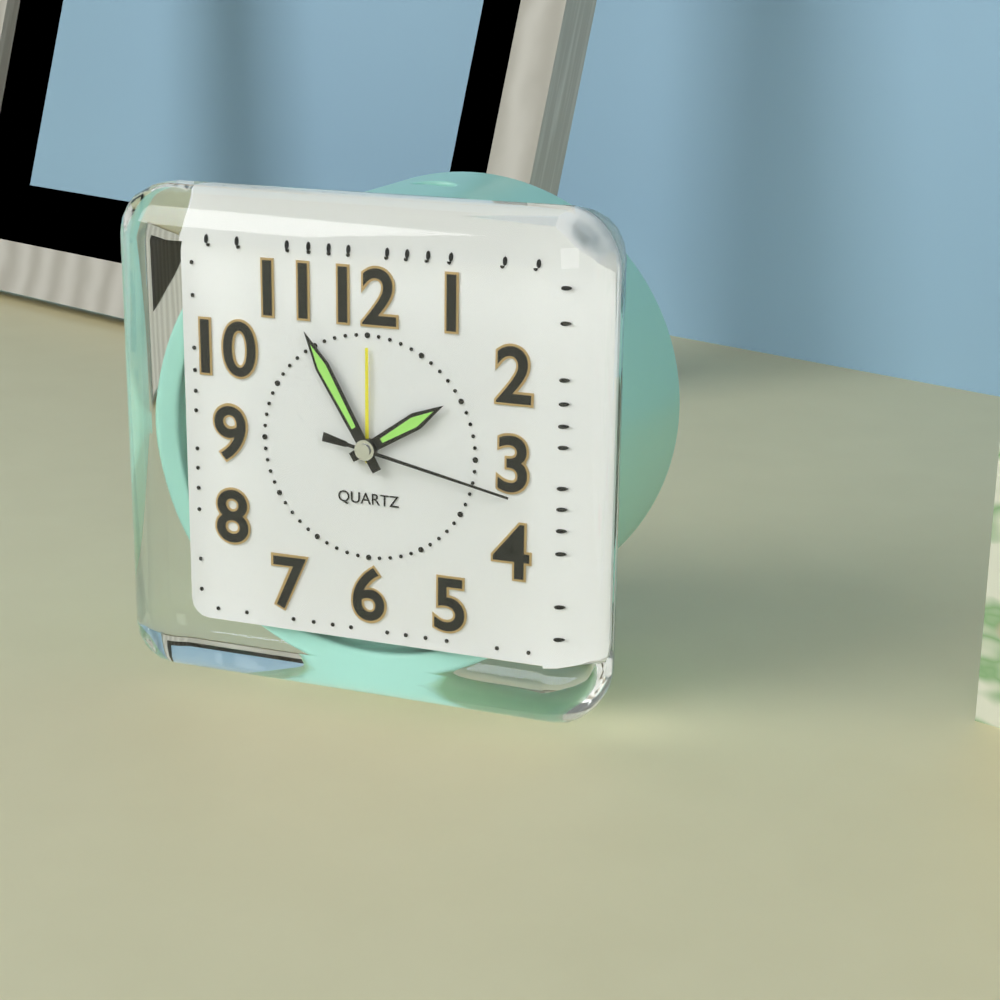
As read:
1:55:17
